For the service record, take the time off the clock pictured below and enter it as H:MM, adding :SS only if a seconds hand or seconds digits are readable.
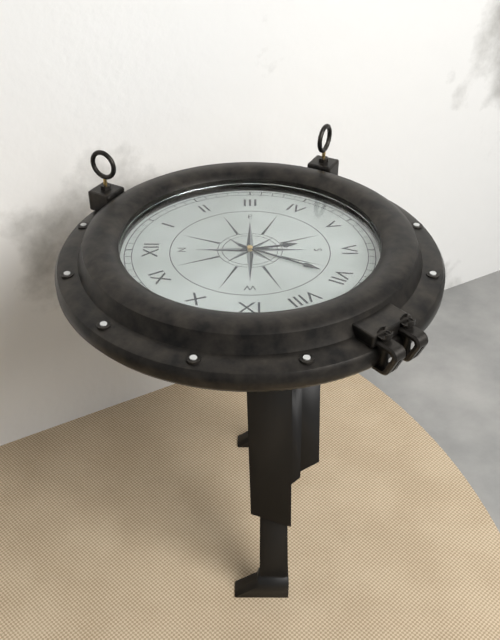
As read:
5:35
